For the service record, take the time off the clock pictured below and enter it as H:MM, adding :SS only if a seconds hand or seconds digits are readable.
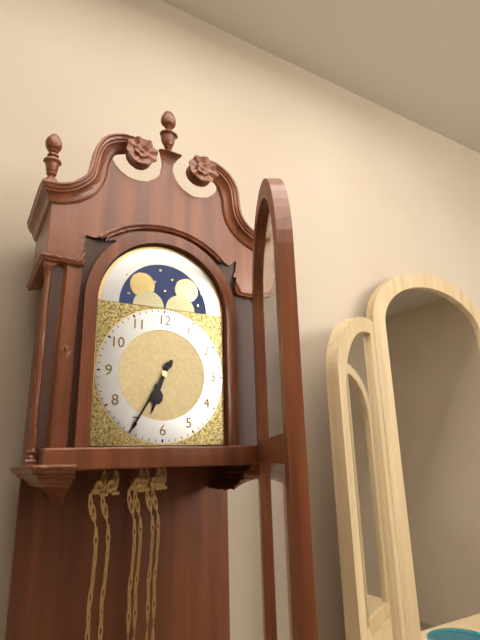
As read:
6:35
